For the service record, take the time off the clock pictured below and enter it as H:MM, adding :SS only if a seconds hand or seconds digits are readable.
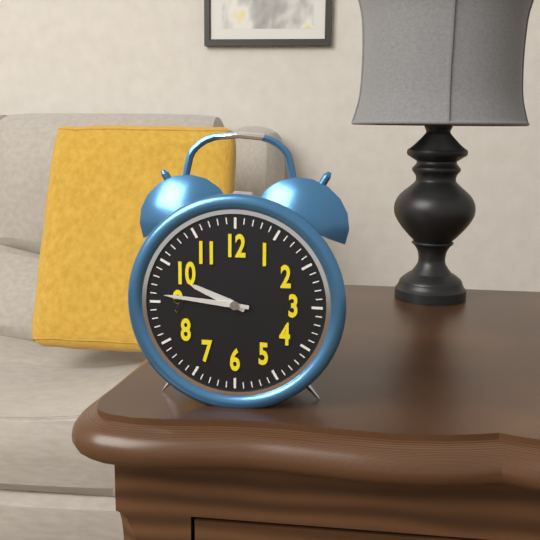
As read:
9:46
